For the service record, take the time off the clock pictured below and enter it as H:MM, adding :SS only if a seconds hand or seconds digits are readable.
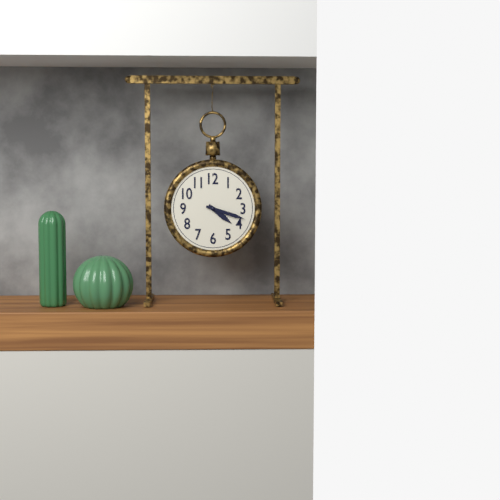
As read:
4:18
